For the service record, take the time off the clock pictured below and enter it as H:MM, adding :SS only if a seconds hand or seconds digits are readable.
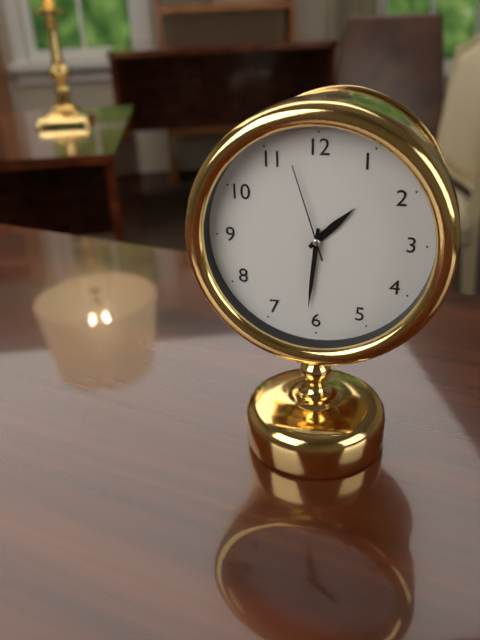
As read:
1:31:57
